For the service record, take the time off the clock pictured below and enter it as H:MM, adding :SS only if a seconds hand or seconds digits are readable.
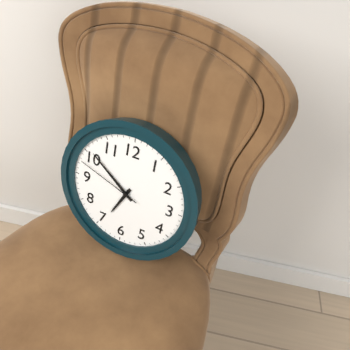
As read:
6:51:48
